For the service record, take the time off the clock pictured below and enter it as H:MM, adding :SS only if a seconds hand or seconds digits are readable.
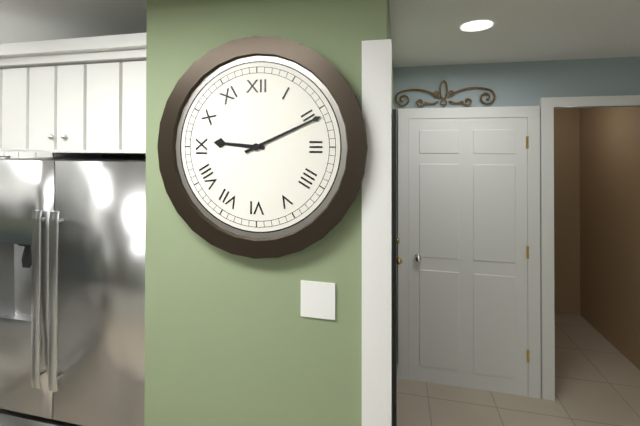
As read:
9:11
